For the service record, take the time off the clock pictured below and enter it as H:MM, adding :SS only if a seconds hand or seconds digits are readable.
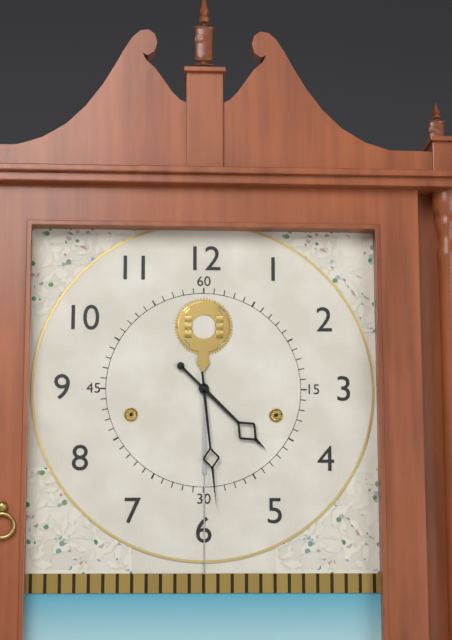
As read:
4:29
